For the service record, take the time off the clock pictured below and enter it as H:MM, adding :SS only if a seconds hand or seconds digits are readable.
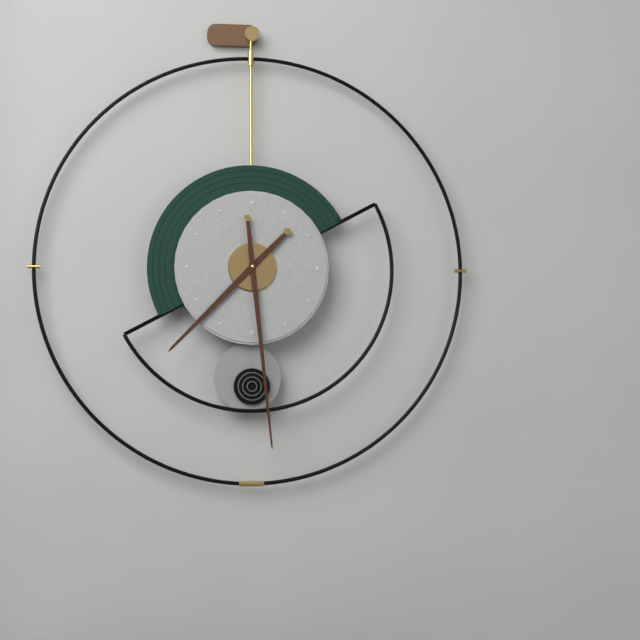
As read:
7:29
